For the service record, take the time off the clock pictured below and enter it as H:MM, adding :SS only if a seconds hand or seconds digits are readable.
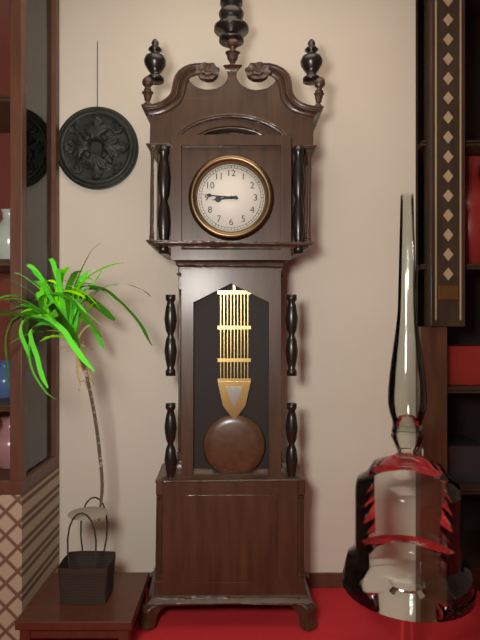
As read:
8:46
